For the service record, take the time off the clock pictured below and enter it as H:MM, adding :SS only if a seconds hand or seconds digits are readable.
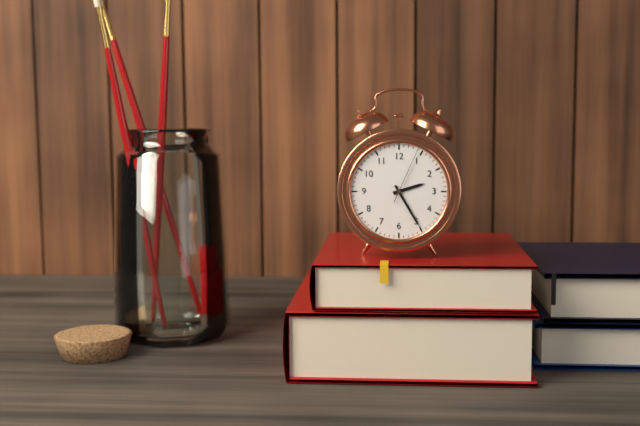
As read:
2:25:04
